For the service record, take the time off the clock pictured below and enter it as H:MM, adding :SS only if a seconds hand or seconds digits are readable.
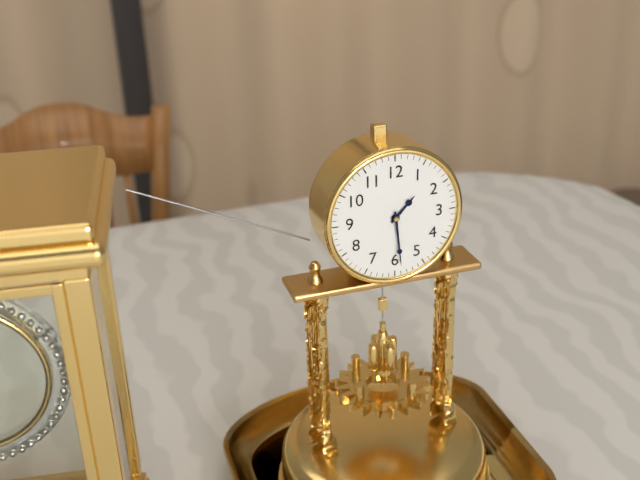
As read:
1:29
